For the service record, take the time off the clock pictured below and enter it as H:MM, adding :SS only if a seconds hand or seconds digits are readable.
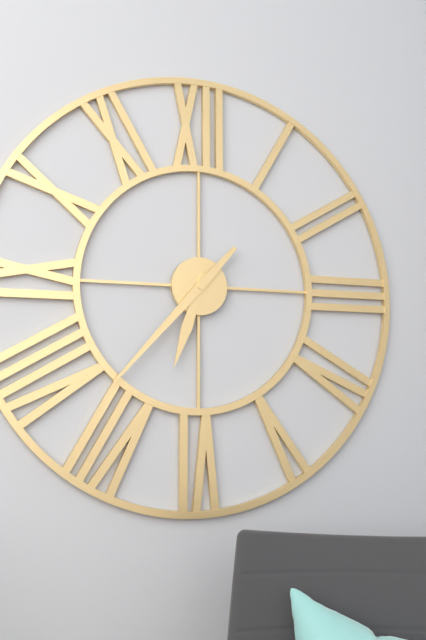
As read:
6:37
